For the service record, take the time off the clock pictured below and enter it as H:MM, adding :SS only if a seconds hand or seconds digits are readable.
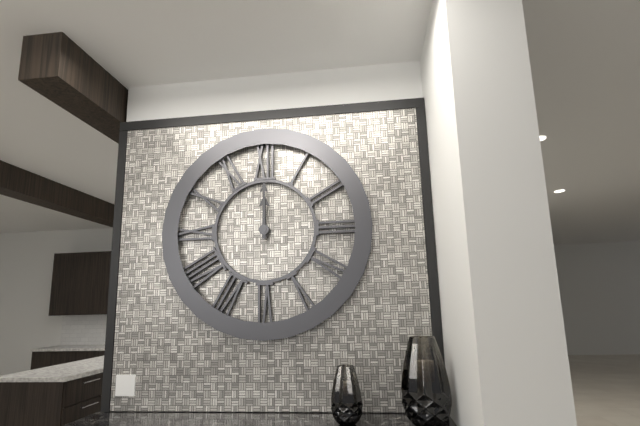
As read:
12:00
